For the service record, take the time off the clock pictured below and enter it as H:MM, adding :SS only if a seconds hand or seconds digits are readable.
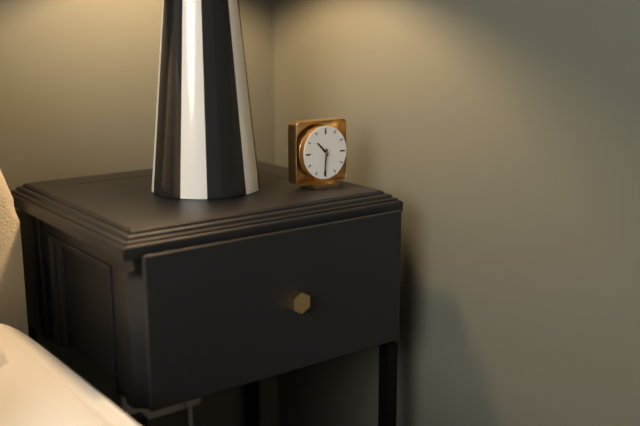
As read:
10:31
